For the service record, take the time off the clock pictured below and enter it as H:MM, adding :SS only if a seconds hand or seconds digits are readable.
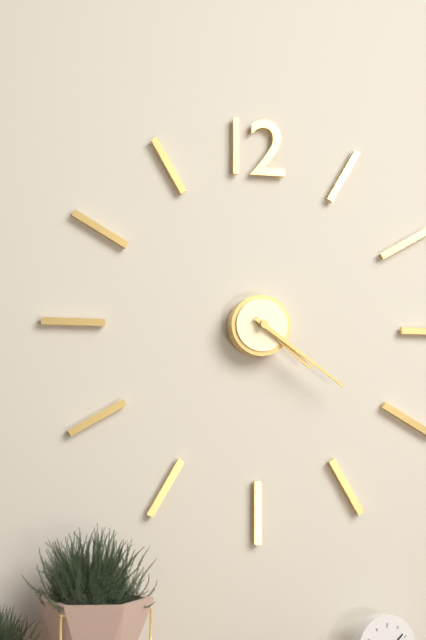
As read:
4:21
